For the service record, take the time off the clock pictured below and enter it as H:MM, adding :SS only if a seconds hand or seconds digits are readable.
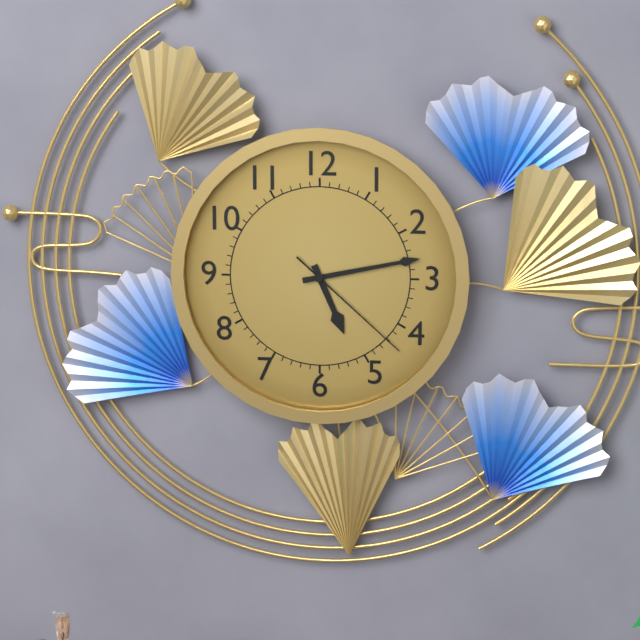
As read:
5:13:22
